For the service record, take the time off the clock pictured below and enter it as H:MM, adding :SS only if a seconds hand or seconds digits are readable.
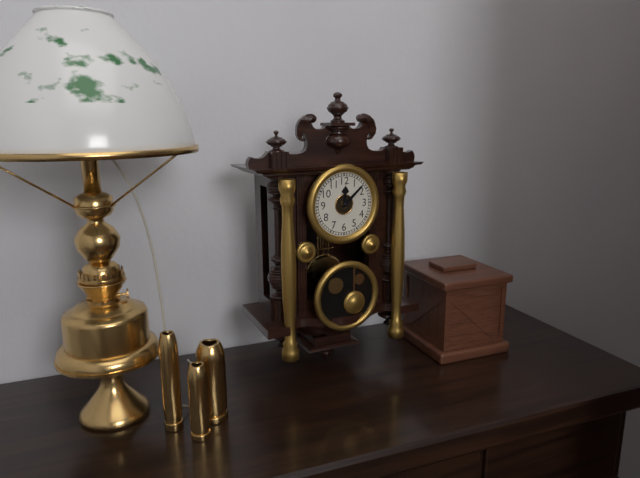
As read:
12:08
